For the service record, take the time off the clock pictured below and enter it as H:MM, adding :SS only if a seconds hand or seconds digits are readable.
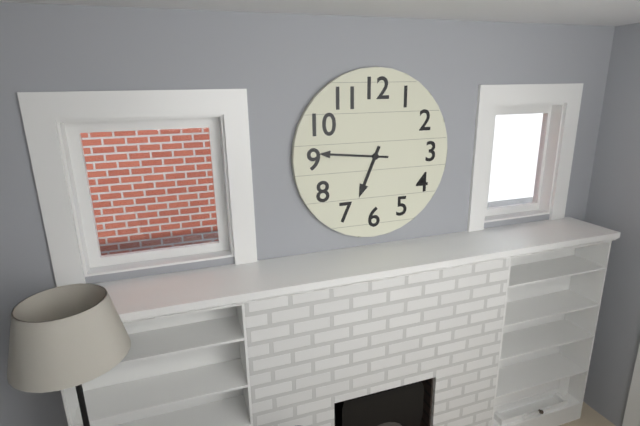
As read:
6:46
